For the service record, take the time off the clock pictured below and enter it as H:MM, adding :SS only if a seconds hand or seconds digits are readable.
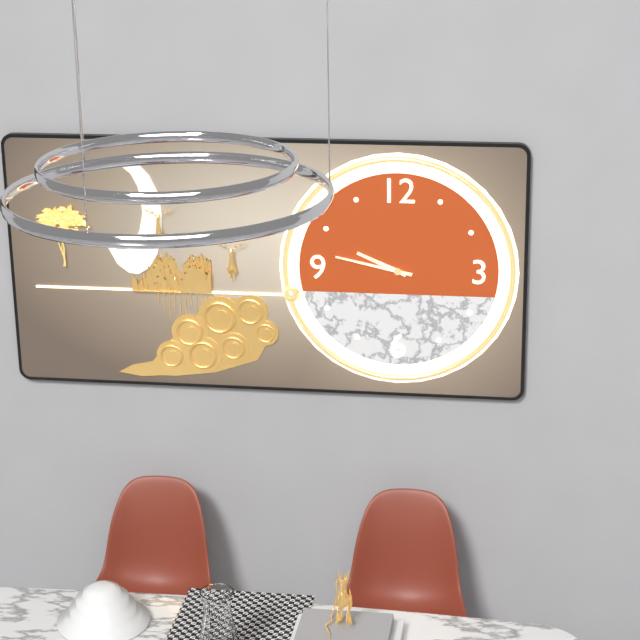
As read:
9:47
